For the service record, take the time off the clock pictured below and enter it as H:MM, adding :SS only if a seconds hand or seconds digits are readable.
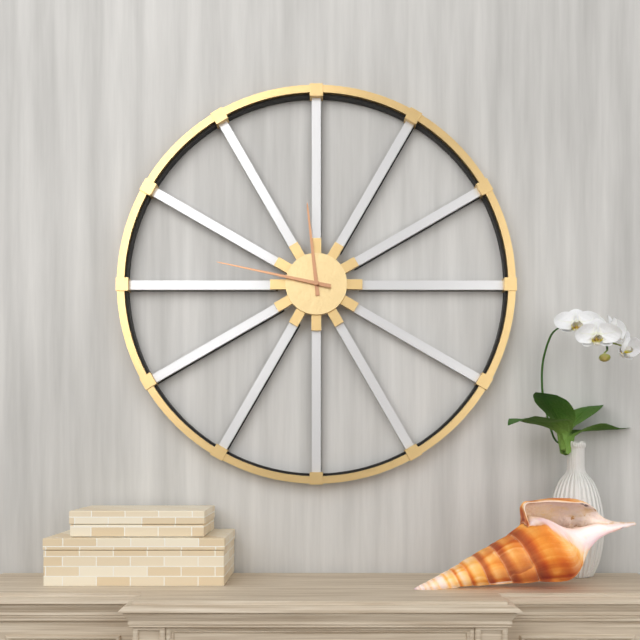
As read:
11:47
